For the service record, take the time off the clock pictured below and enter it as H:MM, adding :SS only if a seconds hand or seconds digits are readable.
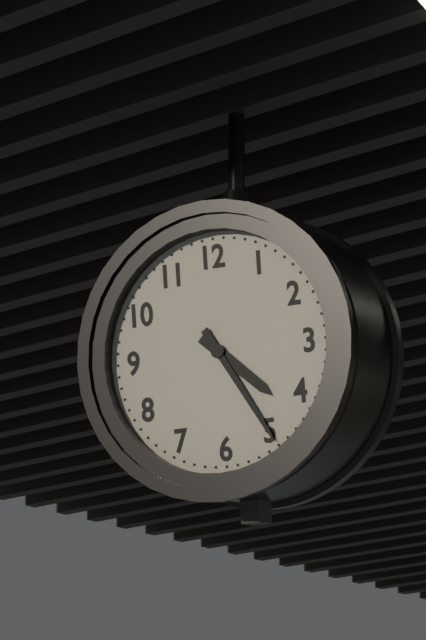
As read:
4:25
